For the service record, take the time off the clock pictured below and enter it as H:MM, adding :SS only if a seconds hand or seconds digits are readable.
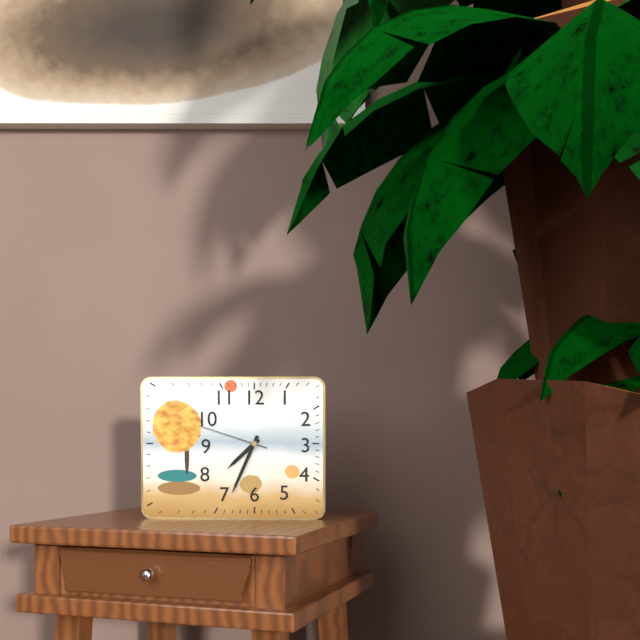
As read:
7:34:48
